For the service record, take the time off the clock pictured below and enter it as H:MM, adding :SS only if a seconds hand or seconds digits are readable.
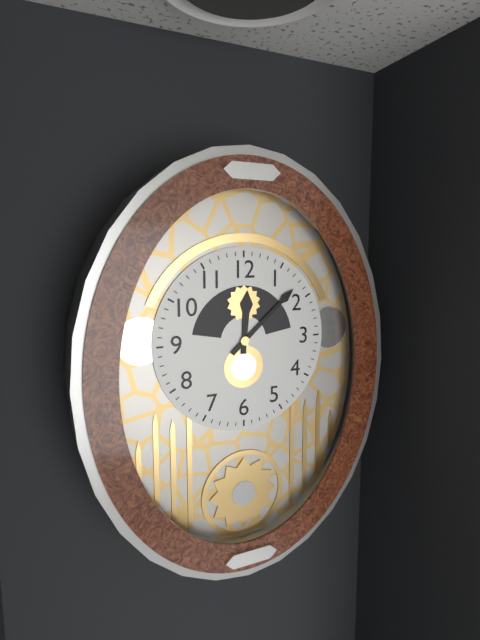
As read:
12:08
